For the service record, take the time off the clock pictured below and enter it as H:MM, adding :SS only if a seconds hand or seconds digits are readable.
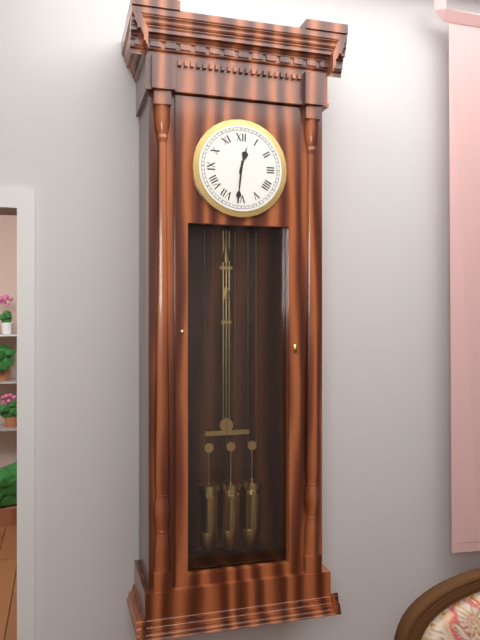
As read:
12:31
